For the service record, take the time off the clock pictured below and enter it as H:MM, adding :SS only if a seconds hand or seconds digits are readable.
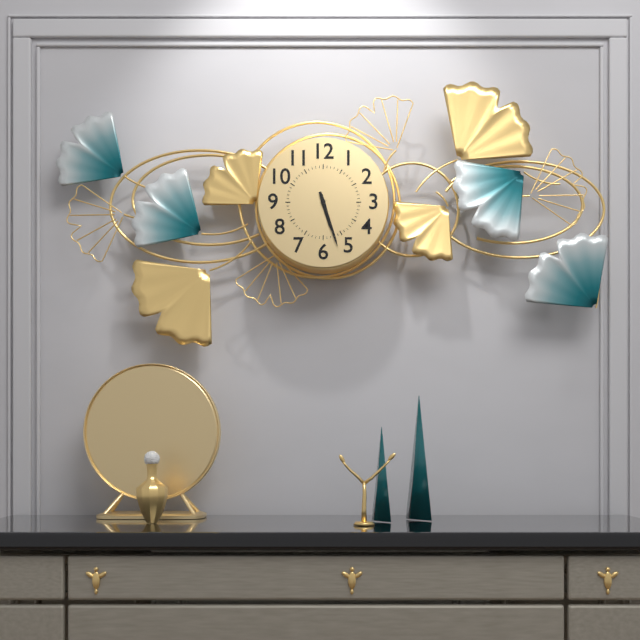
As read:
5:27
